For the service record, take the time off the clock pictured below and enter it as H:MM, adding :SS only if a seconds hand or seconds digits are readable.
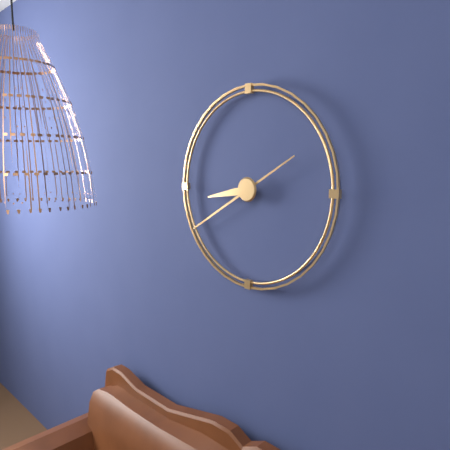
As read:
8:40
